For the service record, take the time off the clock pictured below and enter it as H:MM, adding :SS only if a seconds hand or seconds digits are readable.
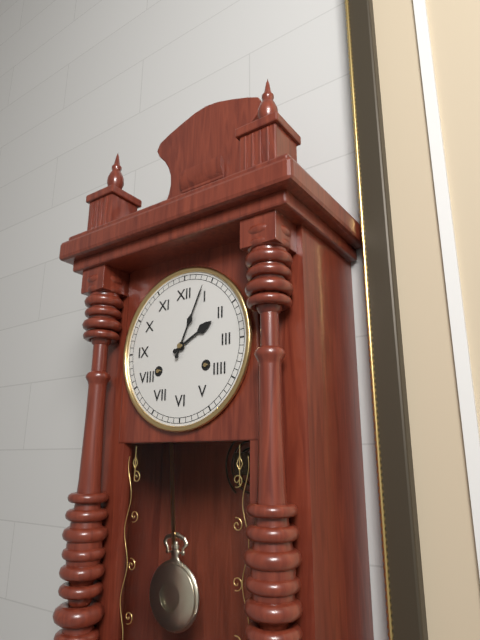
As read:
2:04
